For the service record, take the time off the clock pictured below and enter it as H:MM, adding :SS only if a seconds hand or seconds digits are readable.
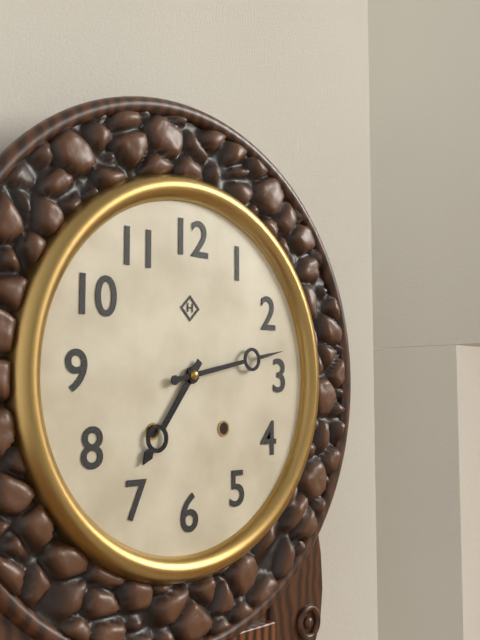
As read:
7:13
